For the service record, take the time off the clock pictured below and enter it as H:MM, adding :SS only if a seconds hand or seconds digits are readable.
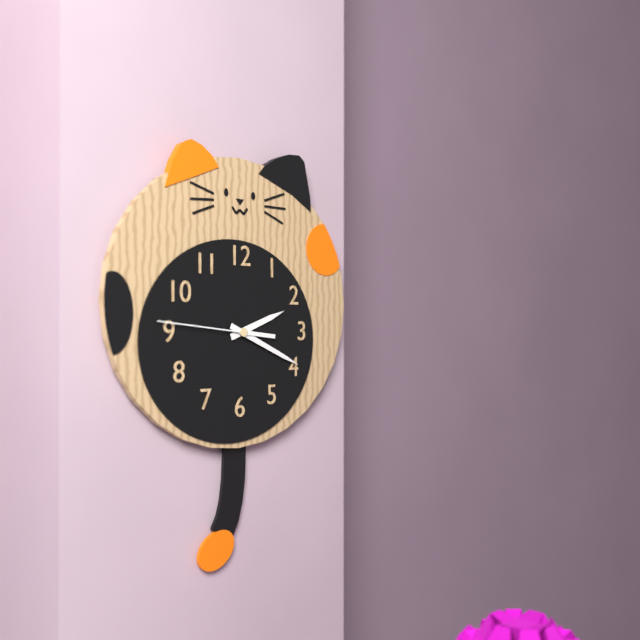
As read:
2:19:46
